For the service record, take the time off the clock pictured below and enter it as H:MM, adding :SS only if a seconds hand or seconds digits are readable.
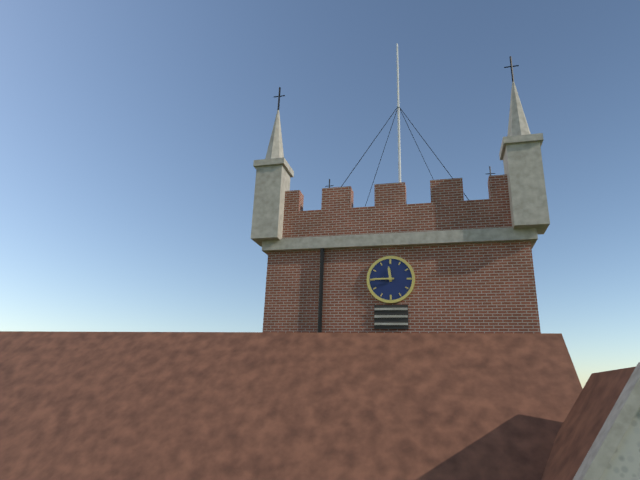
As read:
11:45
